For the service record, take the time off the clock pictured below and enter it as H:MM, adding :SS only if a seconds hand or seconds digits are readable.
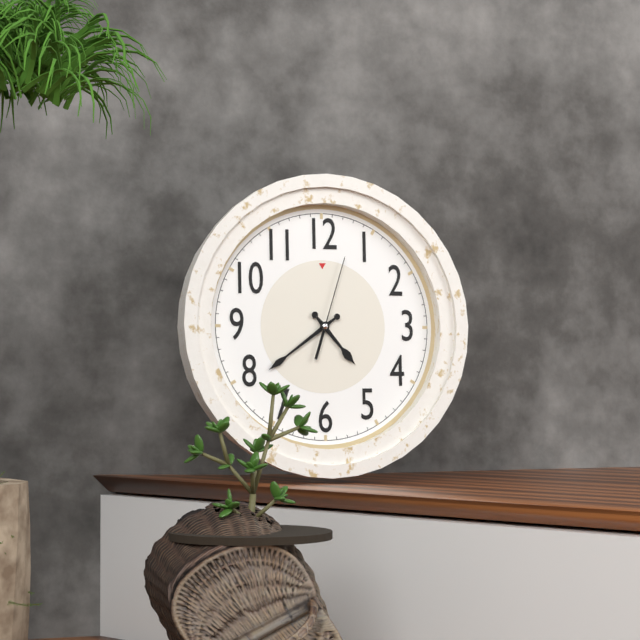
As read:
4:39:03
